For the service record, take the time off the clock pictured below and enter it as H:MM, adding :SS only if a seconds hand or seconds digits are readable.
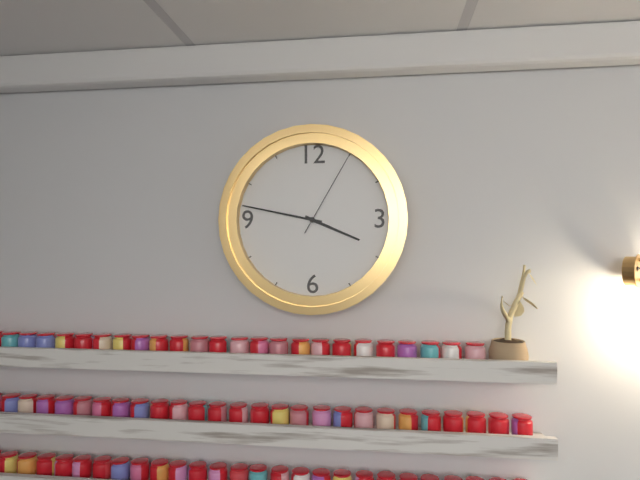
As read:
3:47:05
